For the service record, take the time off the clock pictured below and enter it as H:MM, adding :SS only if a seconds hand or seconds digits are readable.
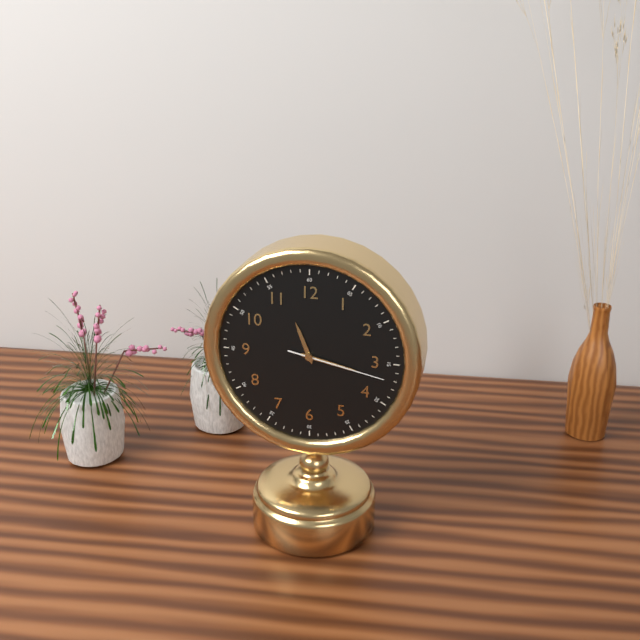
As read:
11:17:17
